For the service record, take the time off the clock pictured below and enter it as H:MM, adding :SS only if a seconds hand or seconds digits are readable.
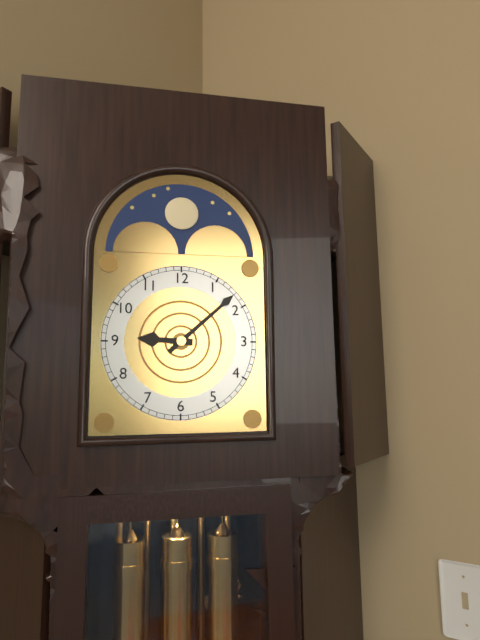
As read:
9:08
